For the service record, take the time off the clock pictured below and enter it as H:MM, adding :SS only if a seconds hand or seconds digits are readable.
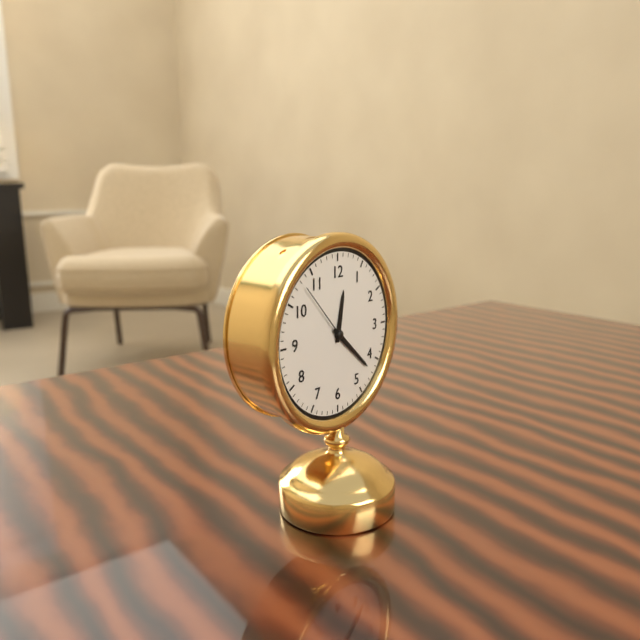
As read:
12:22:53
